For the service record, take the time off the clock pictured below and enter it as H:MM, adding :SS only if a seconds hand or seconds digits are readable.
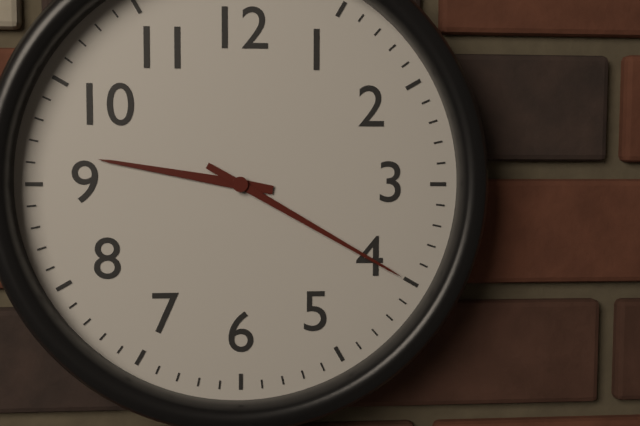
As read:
9:20
